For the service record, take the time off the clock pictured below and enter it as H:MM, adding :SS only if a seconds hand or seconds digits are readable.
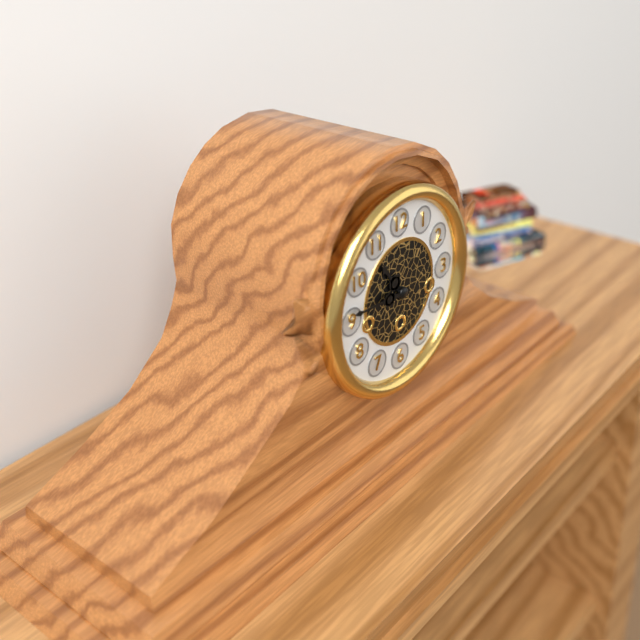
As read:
10:46
